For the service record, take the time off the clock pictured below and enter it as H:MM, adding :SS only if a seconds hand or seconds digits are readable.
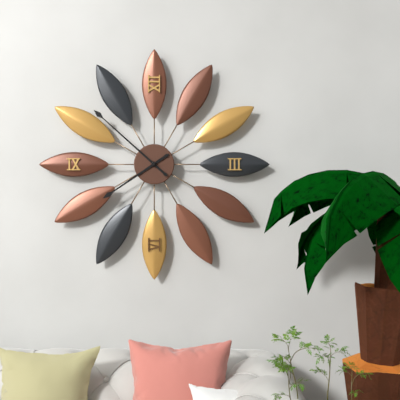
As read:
7:52
